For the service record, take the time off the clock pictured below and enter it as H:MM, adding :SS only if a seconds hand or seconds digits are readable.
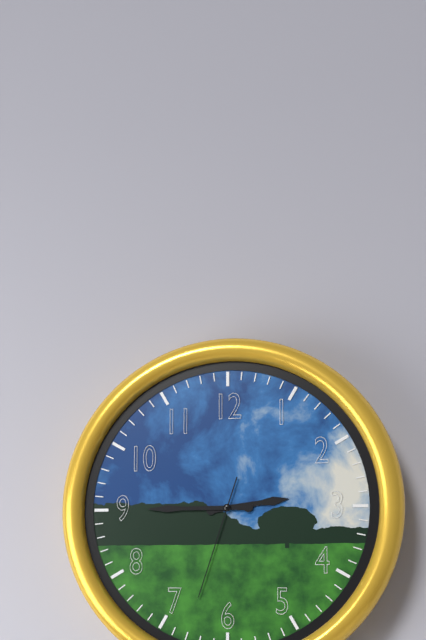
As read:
2:45:33
